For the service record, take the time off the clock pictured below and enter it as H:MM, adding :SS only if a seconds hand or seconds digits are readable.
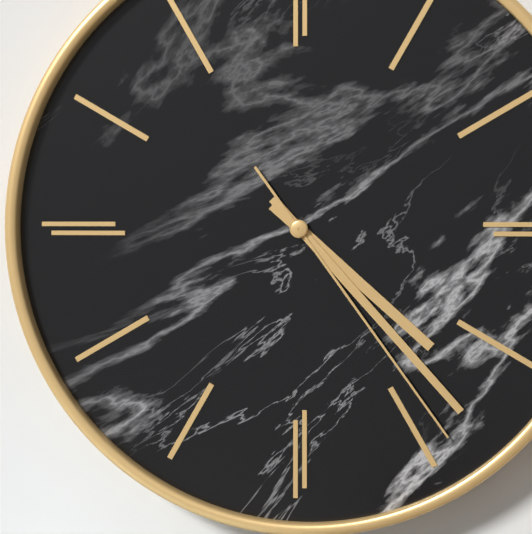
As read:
4:23:24
